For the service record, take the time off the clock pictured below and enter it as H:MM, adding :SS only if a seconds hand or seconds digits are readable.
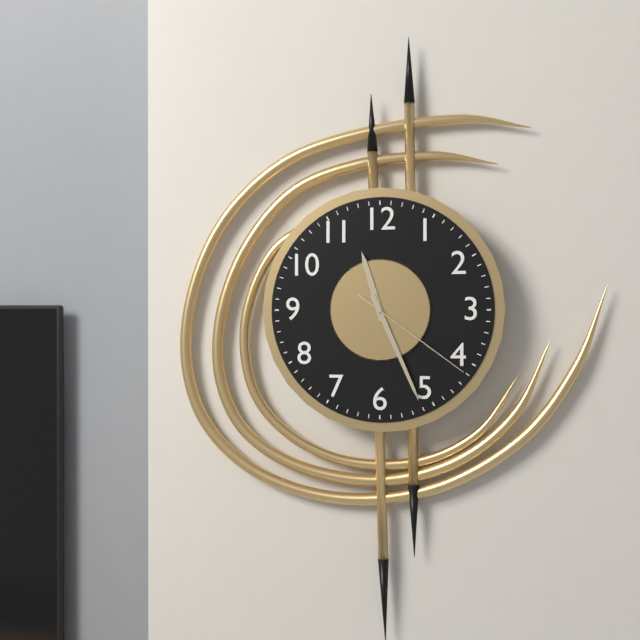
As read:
11:26:21
